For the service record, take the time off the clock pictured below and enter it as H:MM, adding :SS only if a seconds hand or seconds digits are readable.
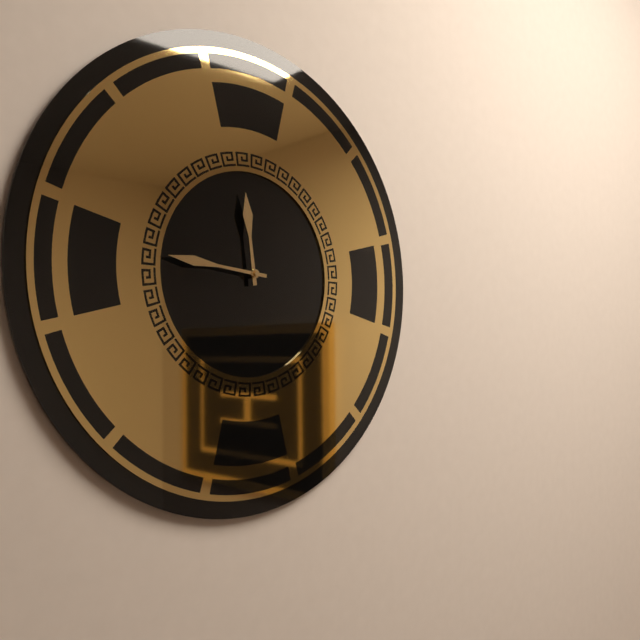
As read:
11:46
